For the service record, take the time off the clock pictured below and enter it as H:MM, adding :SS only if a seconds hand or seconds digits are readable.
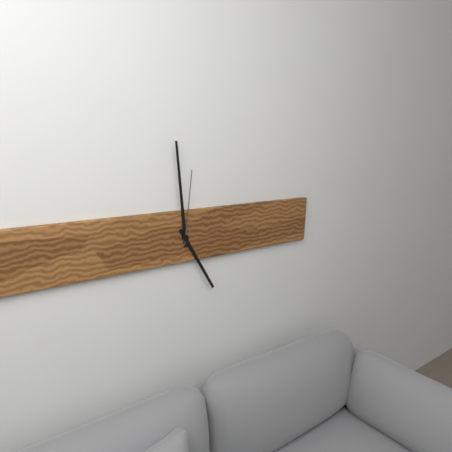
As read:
4:59:01
